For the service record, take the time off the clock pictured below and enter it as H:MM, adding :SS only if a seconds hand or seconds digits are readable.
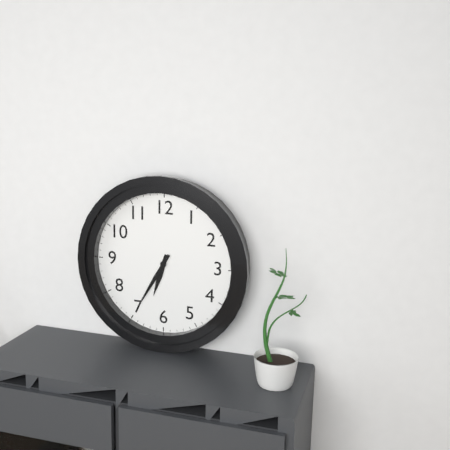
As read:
6:35
